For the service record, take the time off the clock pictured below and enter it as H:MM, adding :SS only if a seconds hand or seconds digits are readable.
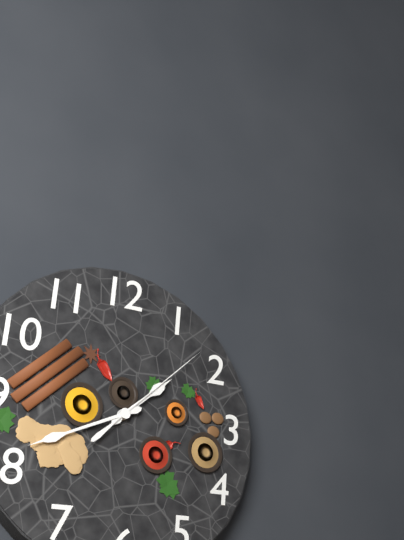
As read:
1:41:08
